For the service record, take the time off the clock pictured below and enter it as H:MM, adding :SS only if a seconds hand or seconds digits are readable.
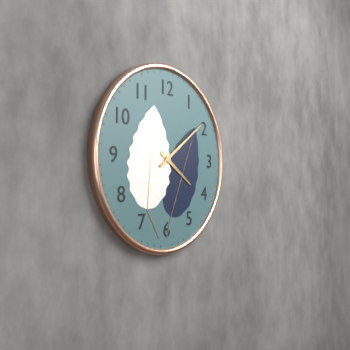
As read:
4:09
